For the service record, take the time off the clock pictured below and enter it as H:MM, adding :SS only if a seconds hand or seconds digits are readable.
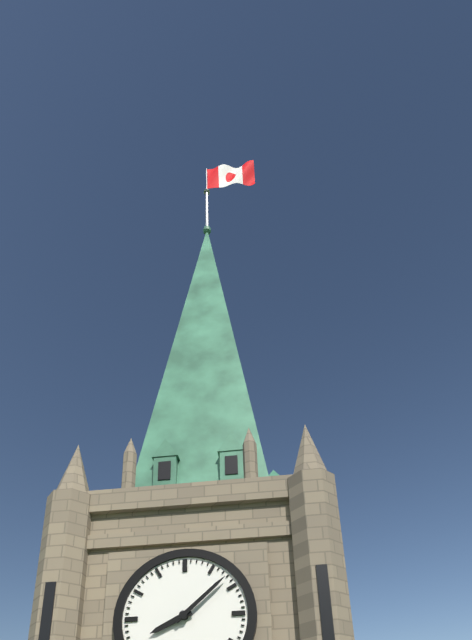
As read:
8:08
